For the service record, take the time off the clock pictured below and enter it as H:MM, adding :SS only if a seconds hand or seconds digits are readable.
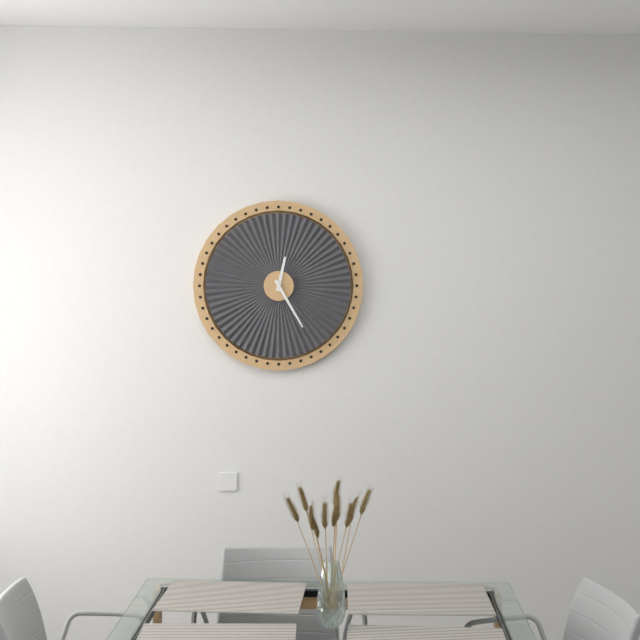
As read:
12:25
